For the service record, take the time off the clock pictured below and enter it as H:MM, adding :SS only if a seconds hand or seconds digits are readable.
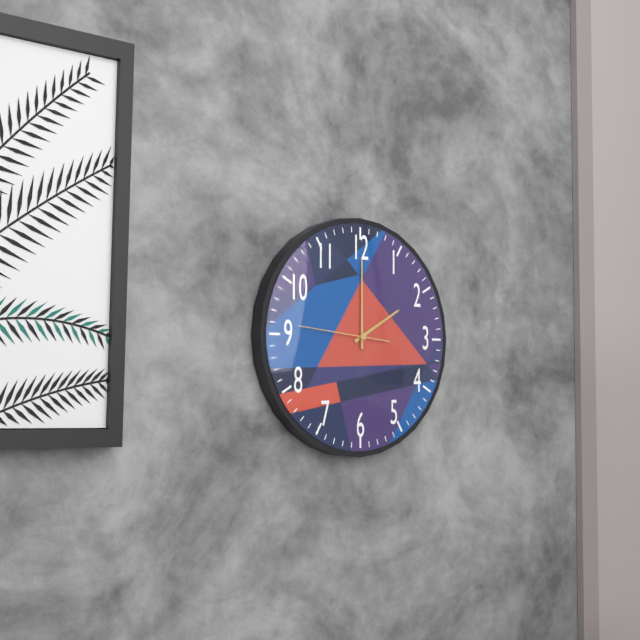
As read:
2:00:46
